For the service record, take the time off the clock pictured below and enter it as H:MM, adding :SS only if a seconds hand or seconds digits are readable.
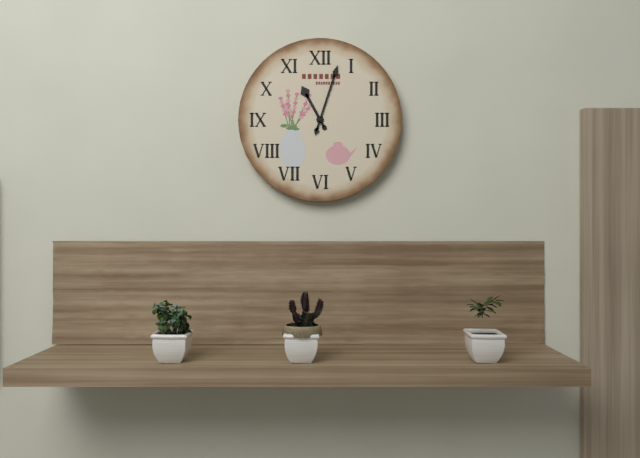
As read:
11:03
